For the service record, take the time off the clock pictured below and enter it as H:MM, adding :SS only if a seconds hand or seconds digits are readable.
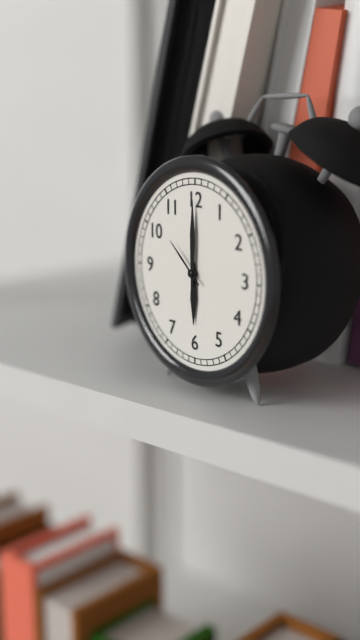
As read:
6:00:52
